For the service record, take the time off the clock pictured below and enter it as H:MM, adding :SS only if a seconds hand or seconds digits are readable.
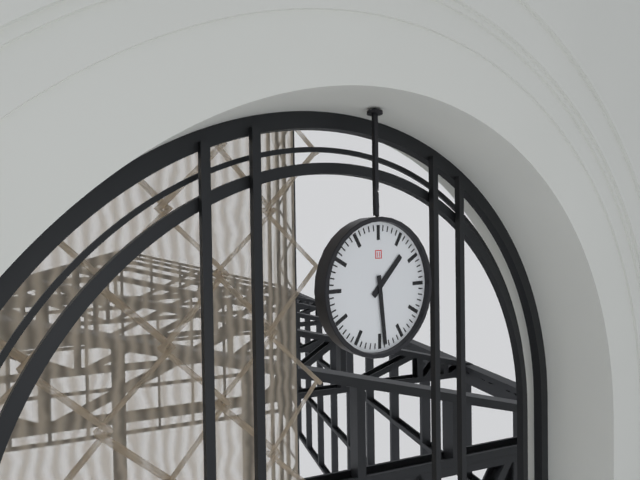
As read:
1:29
